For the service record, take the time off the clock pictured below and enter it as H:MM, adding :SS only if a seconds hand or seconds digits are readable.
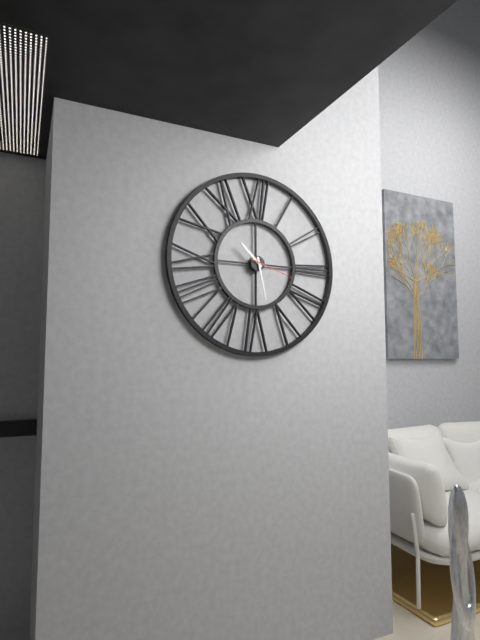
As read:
10:28:18
